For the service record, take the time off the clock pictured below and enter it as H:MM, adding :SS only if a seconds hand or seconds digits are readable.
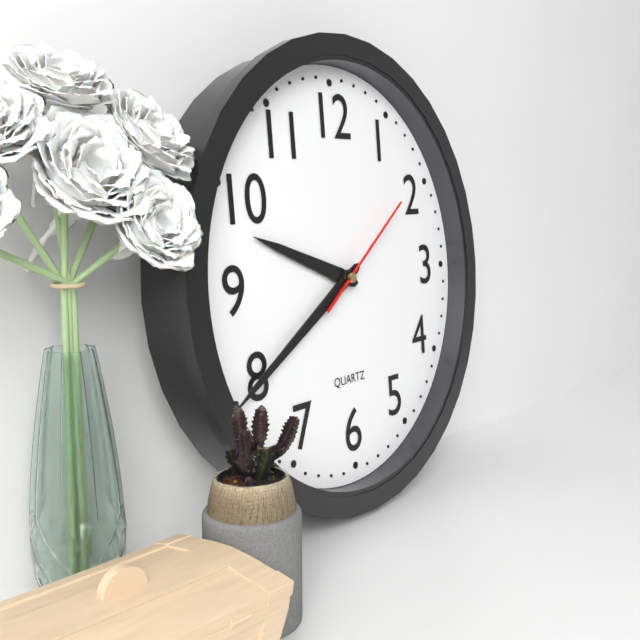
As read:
9:40:09
